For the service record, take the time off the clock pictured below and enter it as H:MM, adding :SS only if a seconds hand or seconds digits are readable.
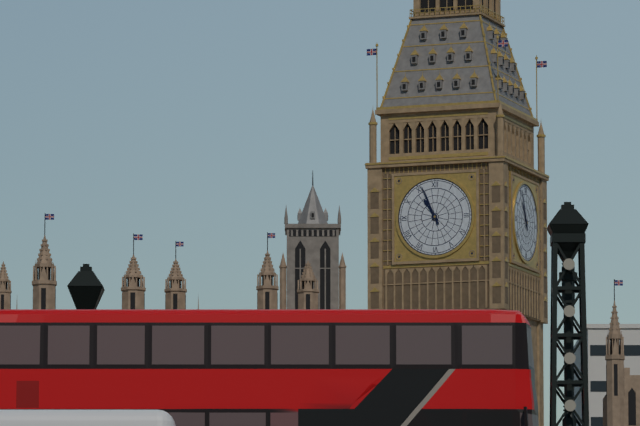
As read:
10:56
